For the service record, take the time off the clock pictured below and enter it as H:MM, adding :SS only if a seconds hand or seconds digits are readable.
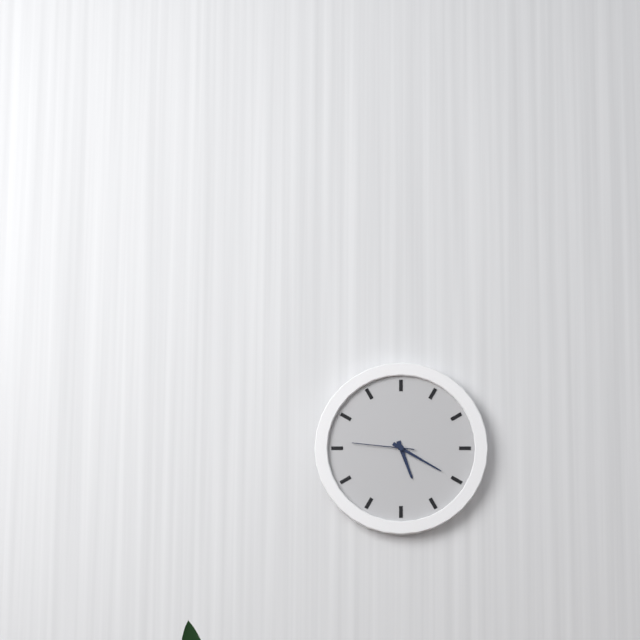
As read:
5:20:46
